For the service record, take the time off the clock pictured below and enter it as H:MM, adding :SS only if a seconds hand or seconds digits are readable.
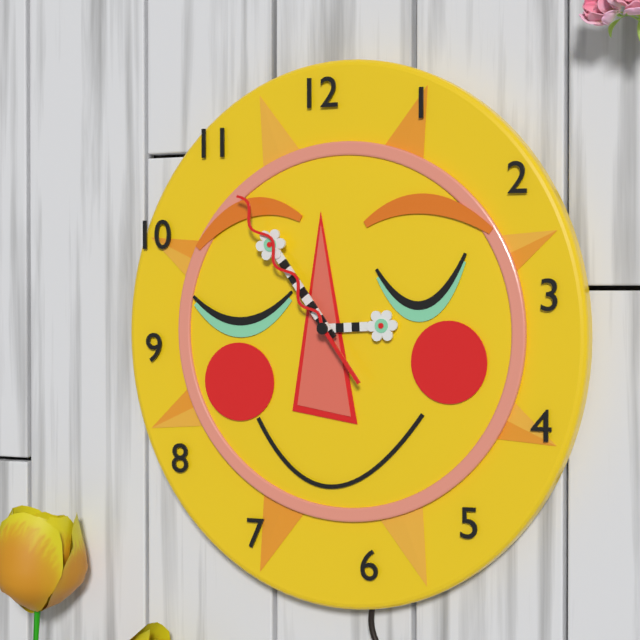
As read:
2:54:54
